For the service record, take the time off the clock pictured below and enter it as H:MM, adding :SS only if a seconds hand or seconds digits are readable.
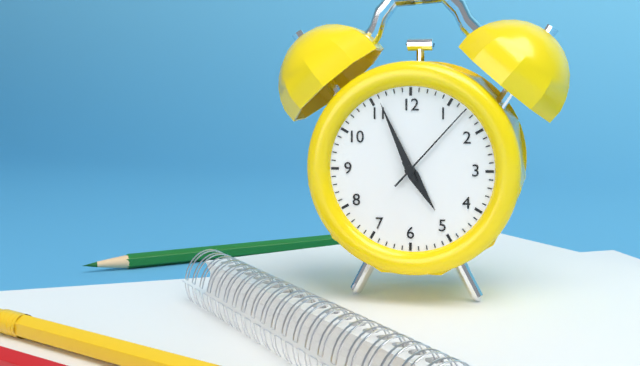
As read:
4:56:07
